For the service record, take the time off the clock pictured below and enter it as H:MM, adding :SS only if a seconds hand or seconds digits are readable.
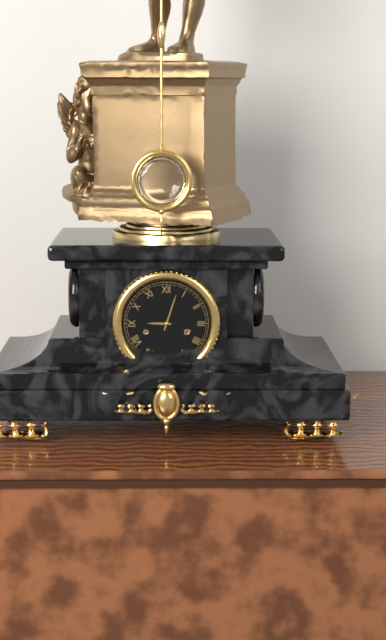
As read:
9:03
